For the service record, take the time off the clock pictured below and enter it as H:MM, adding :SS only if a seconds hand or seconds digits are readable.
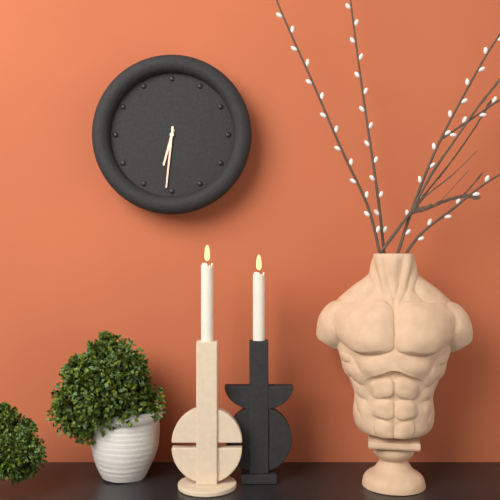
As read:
6:31
